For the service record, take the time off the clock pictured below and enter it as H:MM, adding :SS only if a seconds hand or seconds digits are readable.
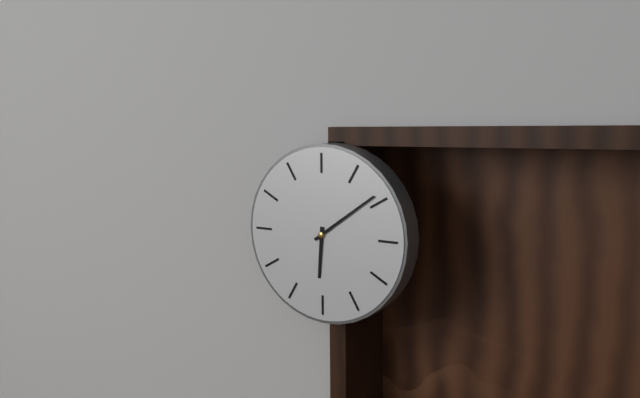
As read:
6:09
